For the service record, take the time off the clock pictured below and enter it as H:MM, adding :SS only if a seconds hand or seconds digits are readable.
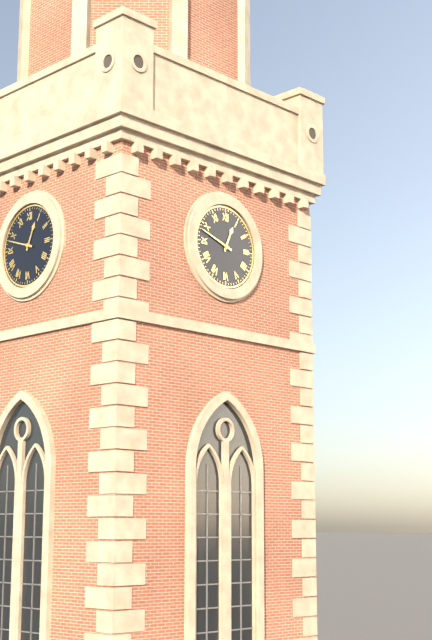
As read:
12:48
